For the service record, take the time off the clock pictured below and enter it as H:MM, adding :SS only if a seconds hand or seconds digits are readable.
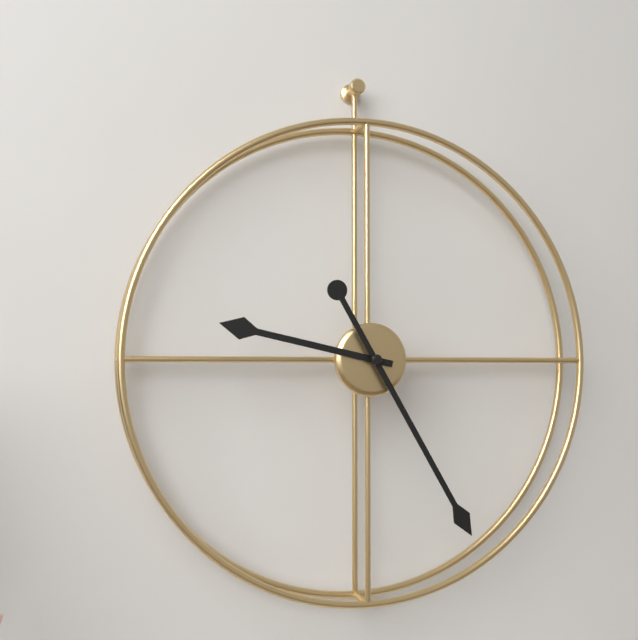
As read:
9:25
